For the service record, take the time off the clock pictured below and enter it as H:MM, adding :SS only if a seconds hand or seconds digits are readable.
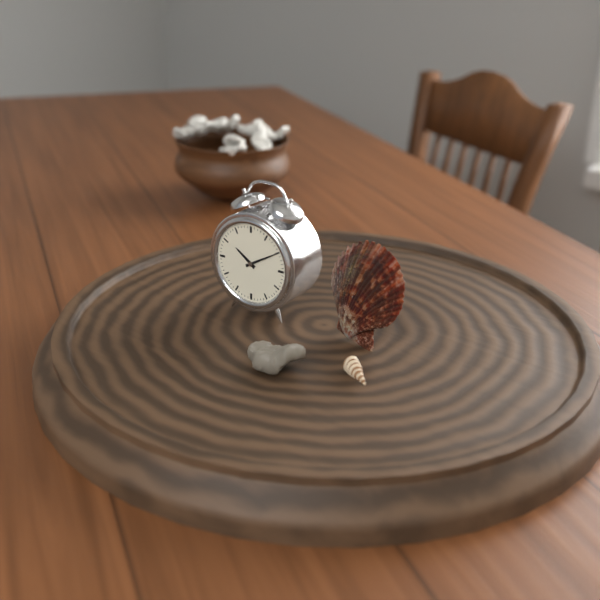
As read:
10:10
